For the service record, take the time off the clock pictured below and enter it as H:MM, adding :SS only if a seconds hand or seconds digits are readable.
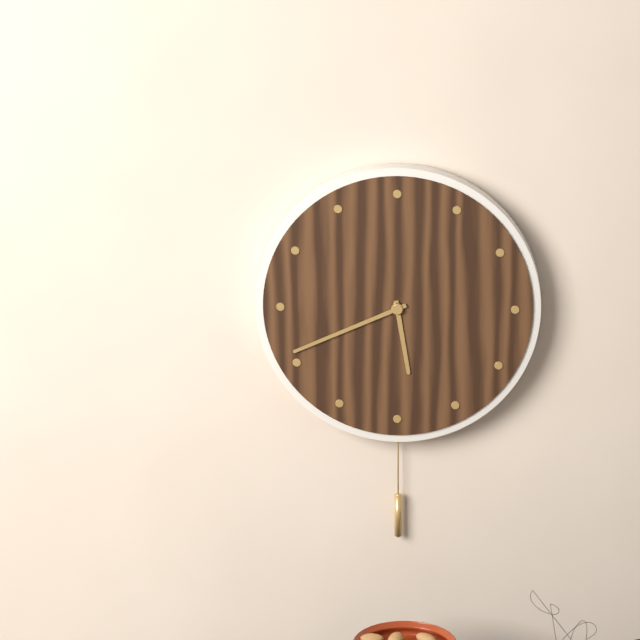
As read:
5:41
